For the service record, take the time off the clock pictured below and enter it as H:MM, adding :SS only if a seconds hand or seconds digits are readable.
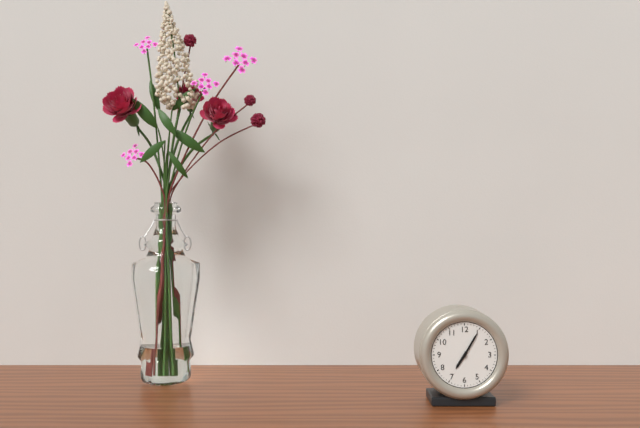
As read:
7:05
